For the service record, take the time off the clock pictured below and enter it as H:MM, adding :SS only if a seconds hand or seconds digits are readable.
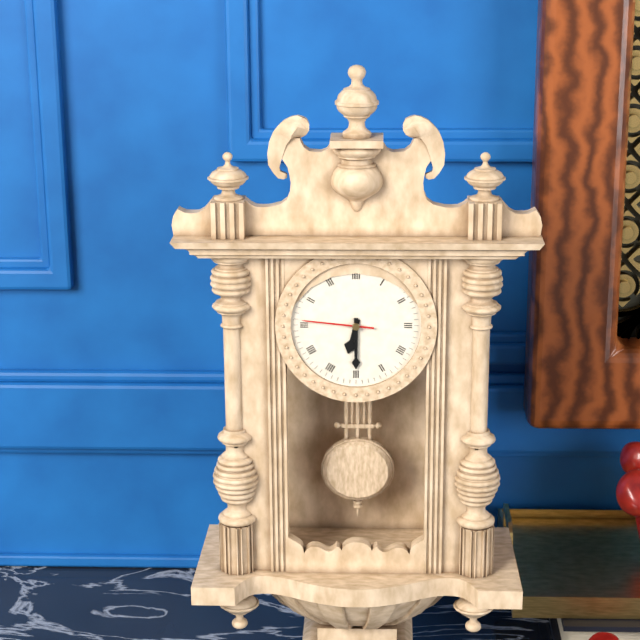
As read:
6:30:46
